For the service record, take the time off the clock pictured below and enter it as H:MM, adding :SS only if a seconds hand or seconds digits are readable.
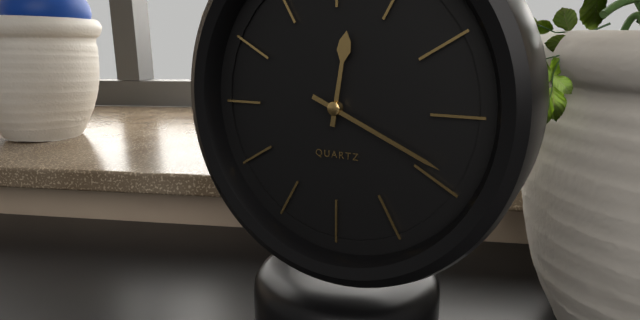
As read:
12:19
